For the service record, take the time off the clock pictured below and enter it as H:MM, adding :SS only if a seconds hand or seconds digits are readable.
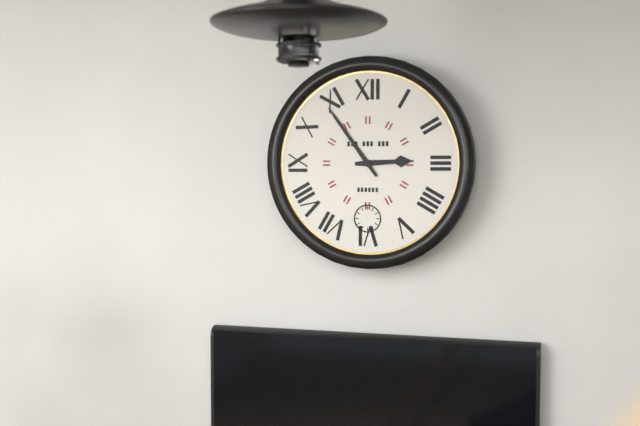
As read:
2:54
